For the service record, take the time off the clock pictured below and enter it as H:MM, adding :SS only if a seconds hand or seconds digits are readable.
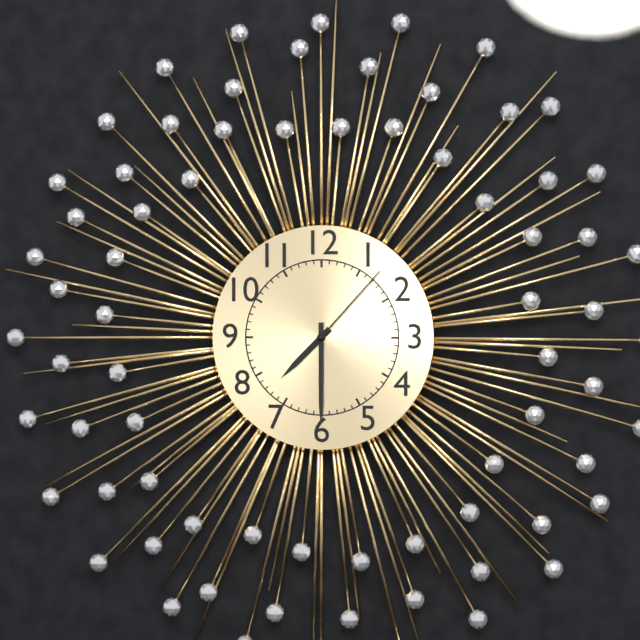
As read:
7:30:07
